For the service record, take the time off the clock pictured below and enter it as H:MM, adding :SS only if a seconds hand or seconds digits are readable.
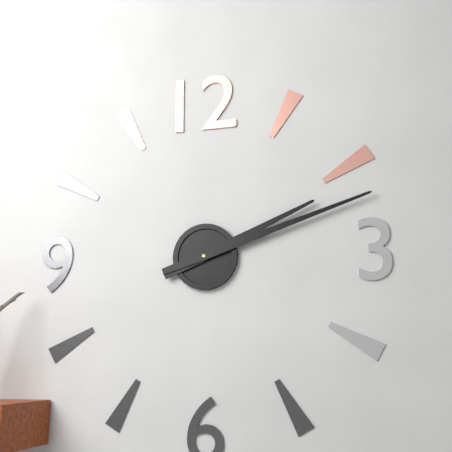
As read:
2:12
